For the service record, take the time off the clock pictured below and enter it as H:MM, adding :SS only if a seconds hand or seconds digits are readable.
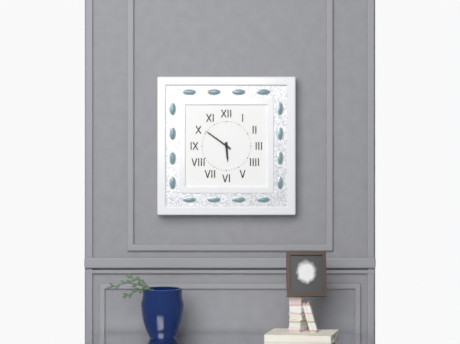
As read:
5:51
